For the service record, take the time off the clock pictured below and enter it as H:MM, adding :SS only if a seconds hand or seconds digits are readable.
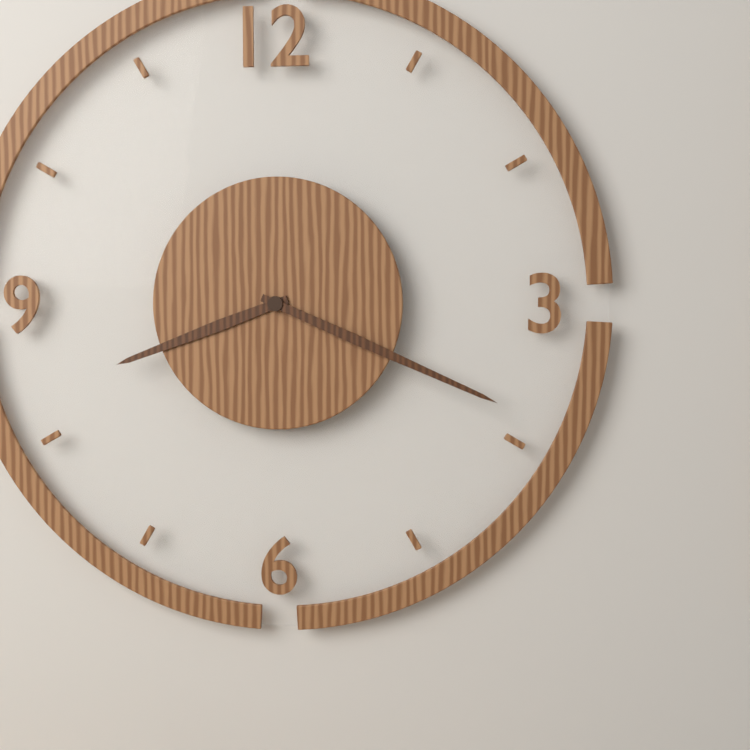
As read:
8:19
